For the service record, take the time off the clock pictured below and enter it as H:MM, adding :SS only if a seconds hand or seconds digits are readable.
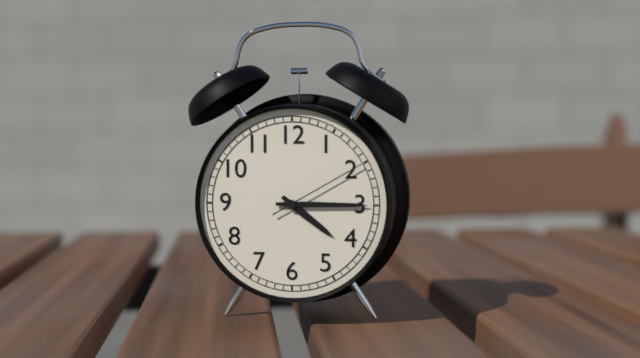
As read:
4:15:10
